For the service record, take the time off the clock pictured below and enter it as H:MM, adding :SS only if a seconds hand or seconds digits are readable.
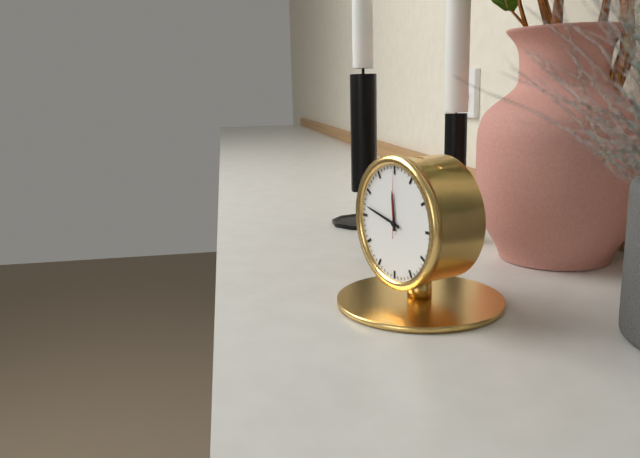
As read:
11:47:00
